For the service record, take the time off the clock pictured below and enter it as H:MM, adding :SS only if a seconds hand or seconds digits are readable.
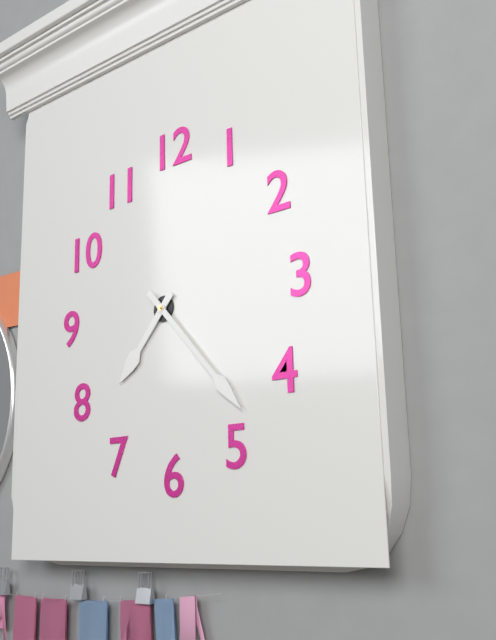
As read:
7:23
